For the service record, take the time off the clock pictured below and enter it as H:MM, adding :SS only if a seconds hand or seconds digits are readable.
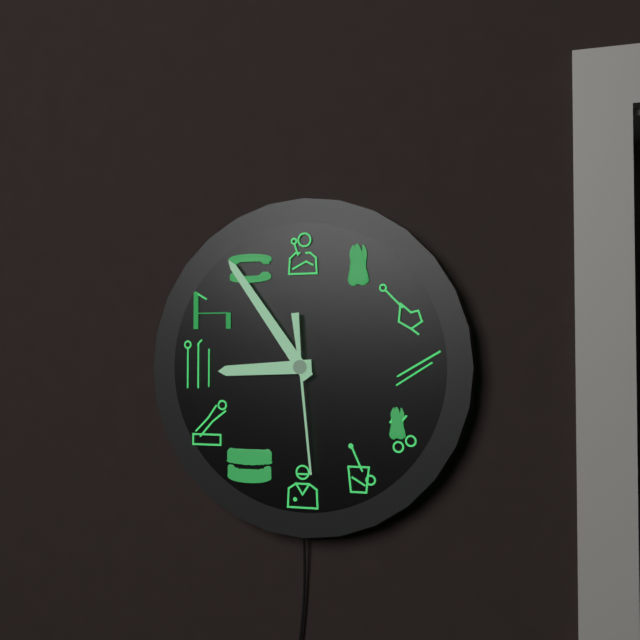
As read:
8:54:29
